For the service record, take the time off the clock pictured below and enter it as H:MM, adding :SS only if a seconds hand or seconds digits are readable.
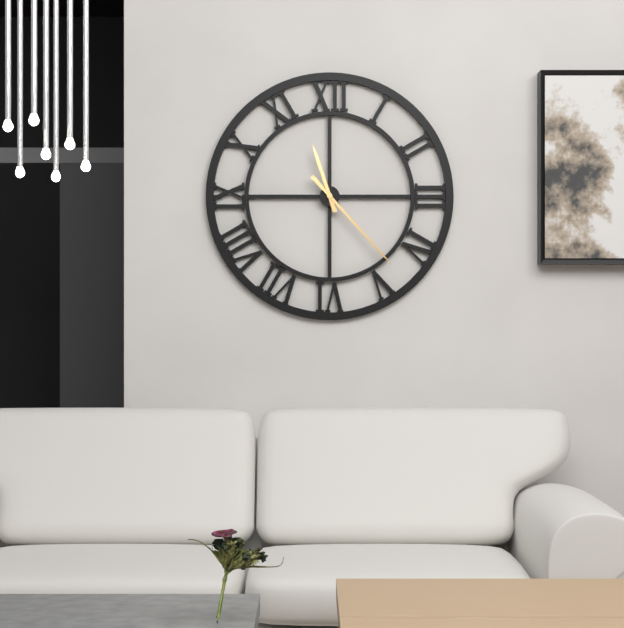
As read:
11:23
